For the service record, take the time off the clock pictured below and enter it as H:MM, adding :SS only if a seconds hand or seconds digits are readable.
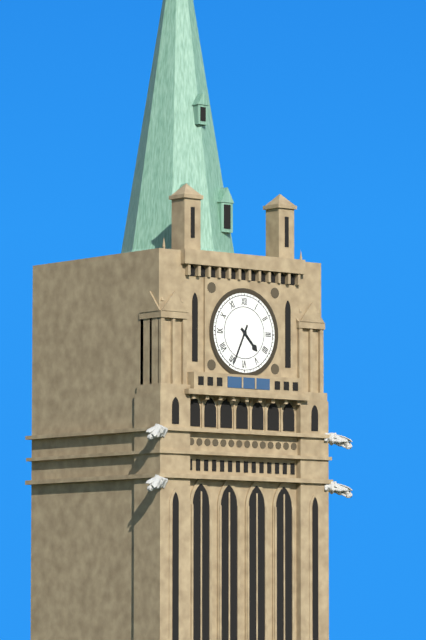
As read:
4:34
